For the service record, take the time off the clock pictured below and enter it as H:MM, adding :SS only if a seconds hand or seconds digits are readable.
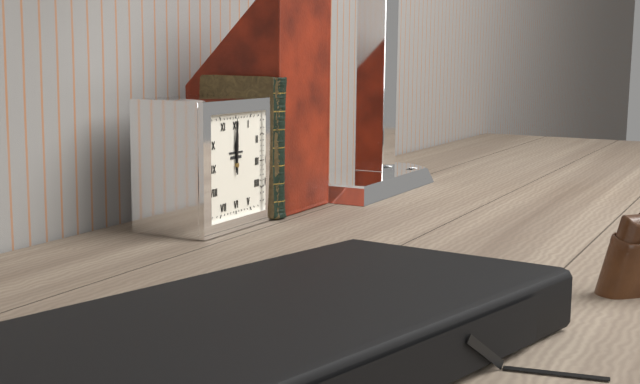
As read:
12:00
